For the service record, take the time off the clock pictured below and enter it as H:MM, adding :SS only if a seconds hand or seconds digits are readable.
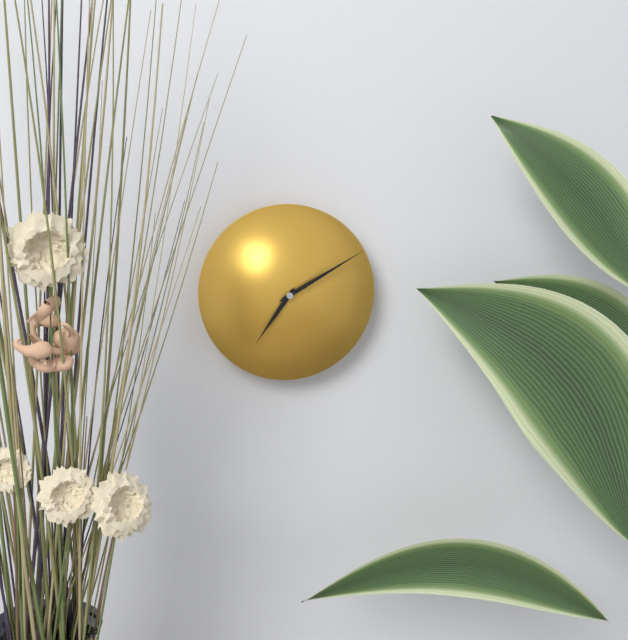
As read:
7:10
